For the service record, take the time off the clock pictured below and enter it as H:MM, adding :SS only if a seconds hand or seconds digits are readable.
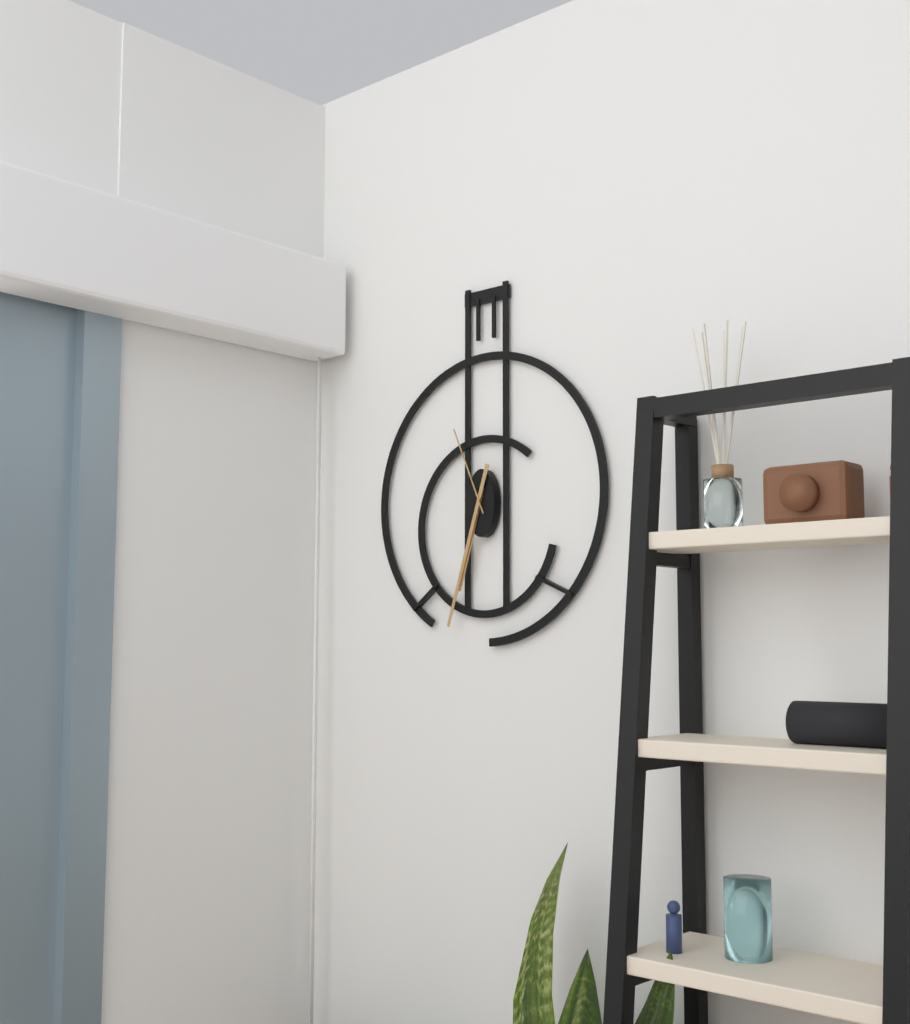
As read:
6:33:56
